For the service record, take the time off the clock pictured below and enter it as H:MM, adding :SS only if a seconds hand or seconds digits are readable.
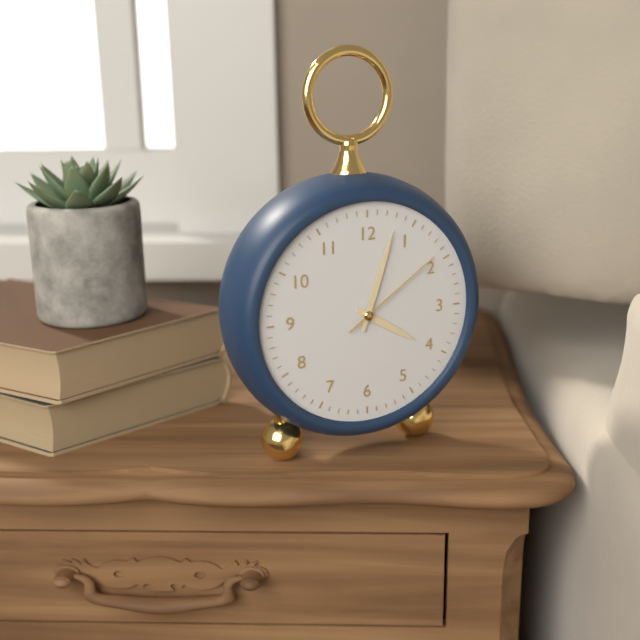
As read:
4:03:09
